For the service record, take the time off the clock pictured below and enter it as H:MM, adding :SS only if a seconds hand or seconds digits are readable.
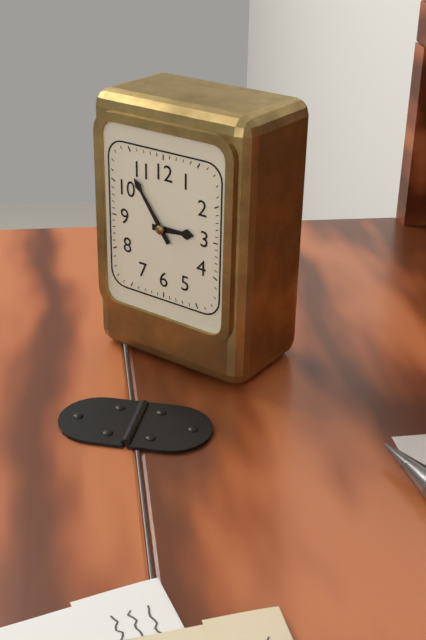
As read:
2:54
